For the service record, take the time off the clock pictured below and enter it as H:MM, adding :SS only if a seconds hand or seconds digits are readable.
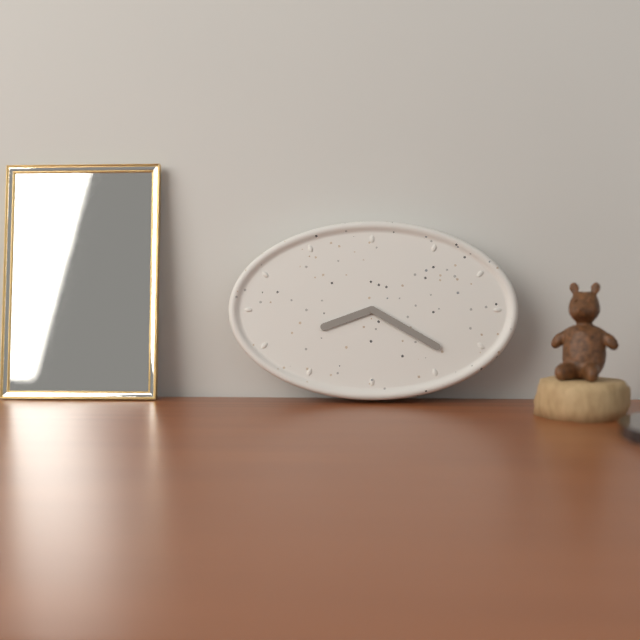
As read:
8:20
